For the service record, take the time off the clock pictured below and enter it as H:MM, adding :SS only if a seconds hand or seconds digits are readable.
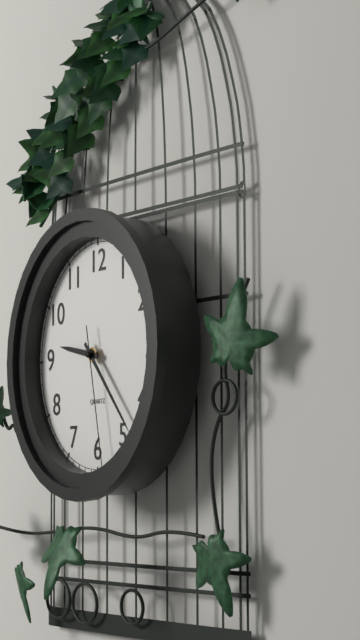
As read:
9:23:28
